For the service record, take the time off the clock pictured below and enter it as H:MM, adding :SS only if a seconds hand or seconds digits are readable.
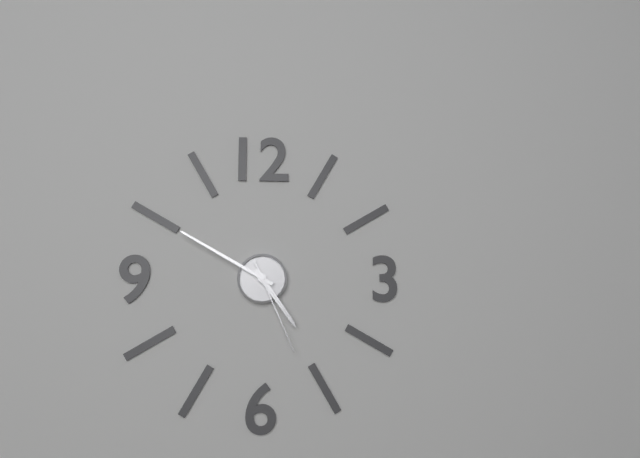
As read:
4:50:26
